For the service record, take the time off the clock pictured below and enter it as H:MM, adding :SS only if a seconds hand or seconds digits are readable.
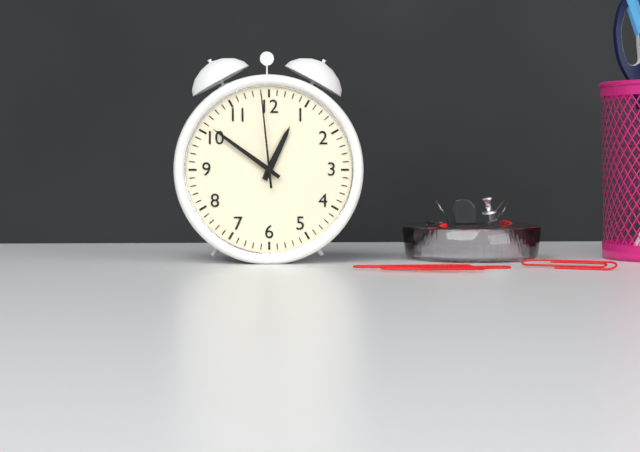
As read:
12:51:59
